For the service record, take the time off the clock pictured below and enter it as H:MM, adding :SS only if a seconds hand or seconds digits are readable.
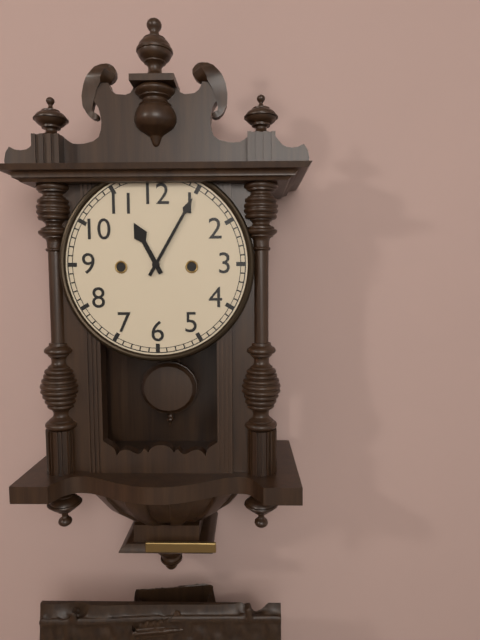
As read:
11:05
